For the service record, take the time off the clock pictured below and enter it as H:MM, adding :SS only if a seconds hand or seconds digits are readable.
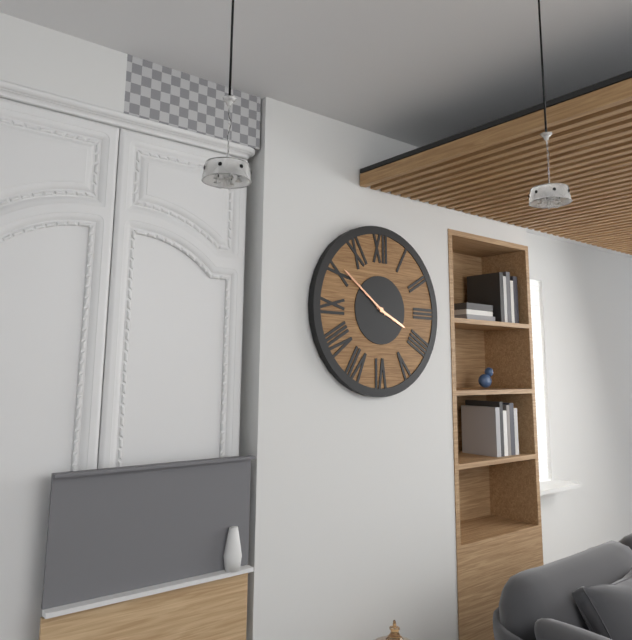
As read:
3:51
